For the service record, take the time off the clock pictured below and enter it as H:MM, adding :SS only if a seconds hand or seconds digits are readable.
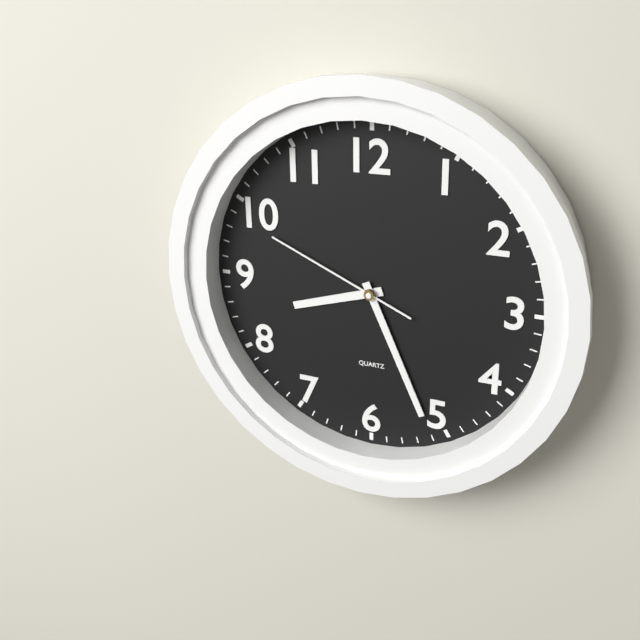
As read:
8:26:49
